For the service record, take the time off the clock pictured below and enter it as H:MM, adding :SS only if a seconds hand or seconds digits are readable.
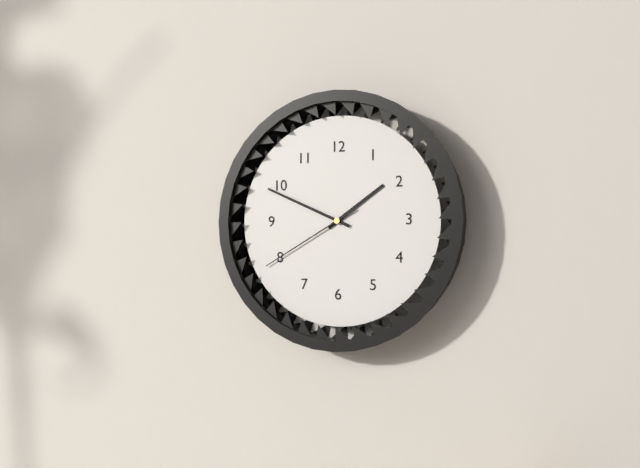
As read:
1:49:40
